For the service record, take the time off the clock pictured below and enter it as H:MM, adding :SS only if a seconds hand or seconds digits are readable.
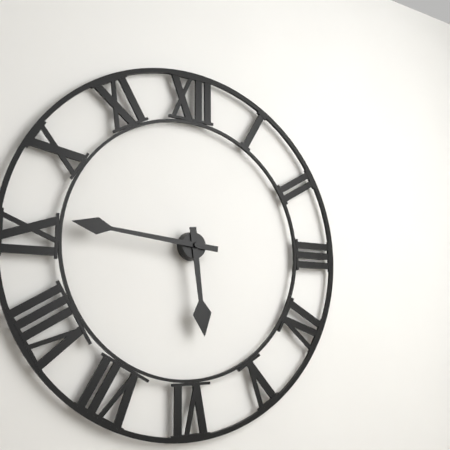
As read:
5:46
